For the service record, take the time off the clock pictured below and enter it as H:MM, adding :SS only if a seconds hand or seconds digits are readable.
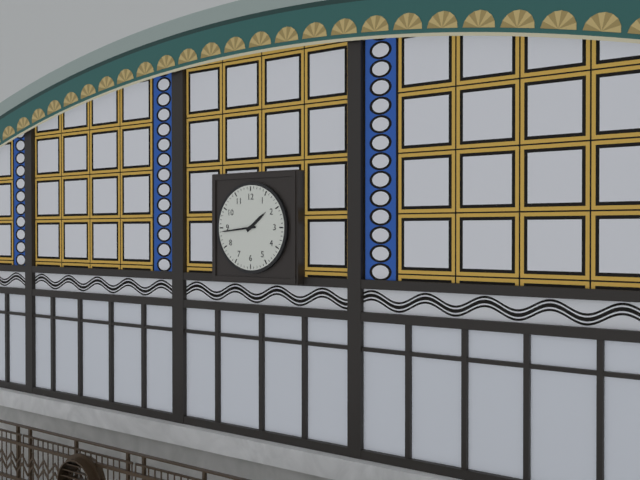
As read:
1:44
